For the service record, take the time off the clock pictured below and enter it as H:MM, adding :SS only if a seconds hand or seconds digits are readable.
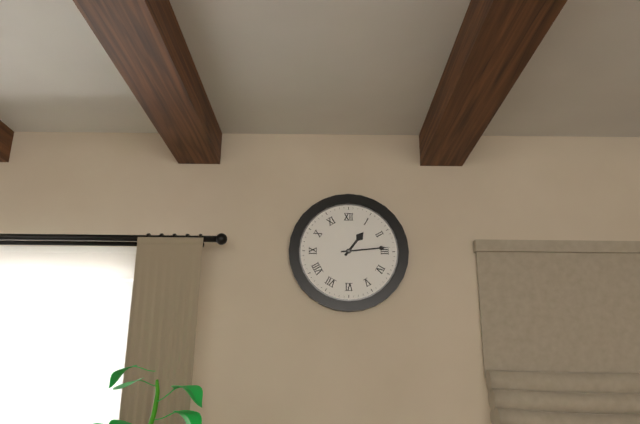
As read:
1:14
